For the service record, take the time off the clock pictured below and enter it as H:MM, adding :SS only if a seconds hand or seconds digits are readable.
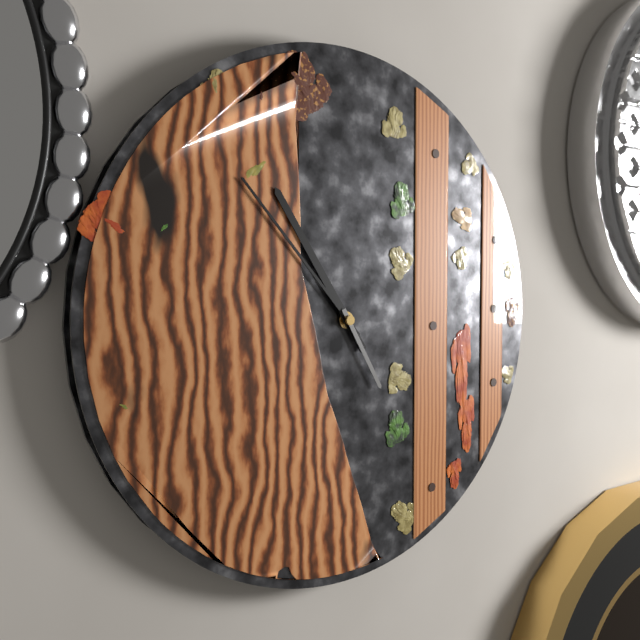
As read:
10:53:25
